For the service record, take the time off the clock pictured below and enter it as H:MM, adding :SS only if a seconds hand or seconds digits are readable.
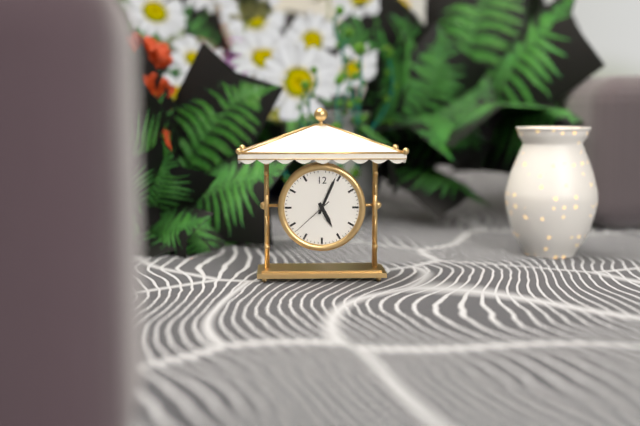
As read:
5:04
